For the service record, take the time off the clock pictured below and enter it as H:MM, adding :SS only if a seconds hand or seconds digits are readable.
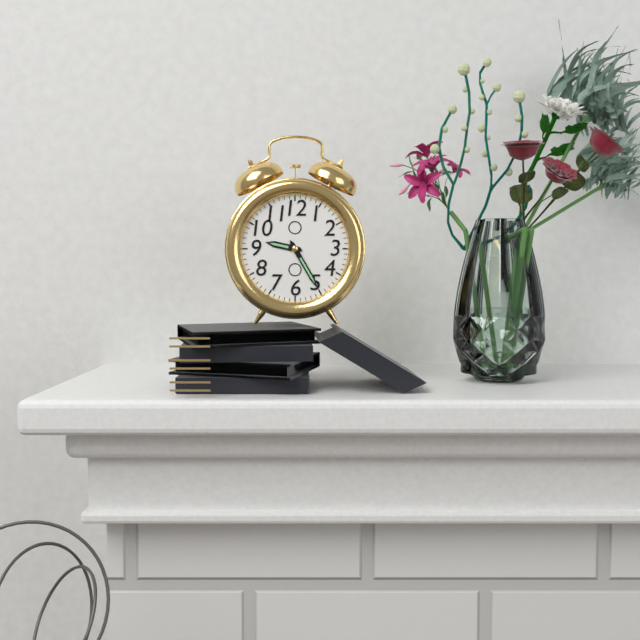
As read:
9:25
